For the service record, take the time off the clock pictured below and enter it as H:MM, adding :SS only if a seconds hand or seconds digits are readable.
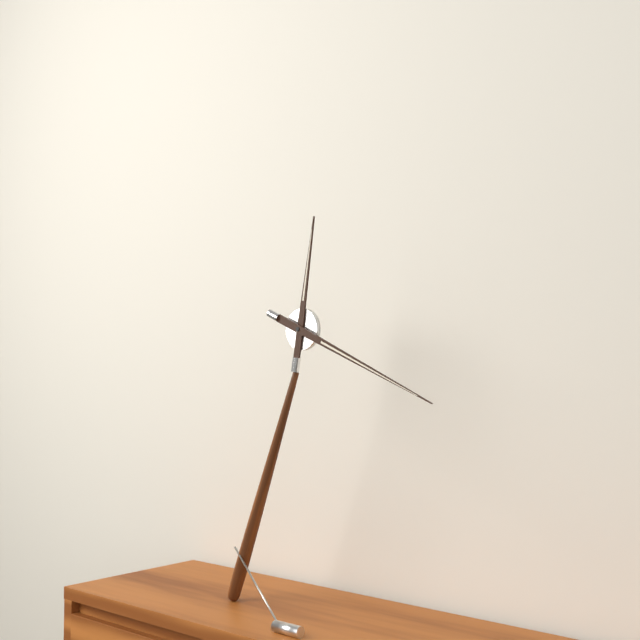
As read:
12:19
